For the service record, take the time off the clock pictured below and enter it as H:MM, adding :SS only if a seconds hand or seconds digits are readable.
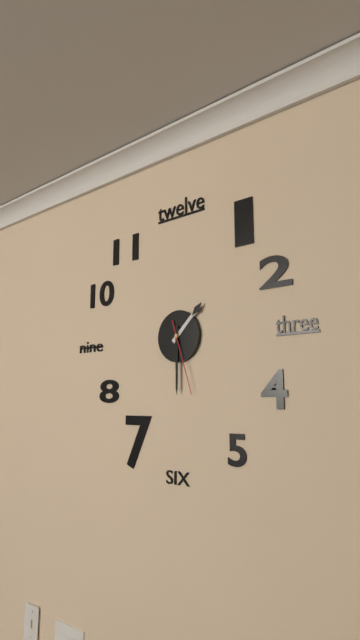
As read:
1:30:27
